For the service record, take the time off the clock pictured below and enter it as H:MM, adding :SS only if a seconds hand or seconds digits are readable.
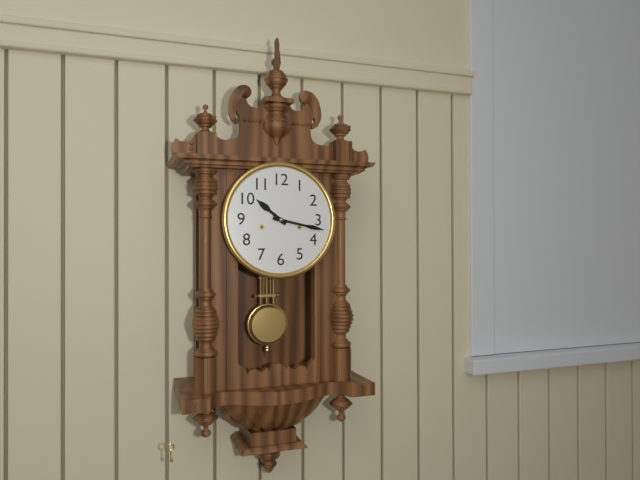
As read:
10:17
